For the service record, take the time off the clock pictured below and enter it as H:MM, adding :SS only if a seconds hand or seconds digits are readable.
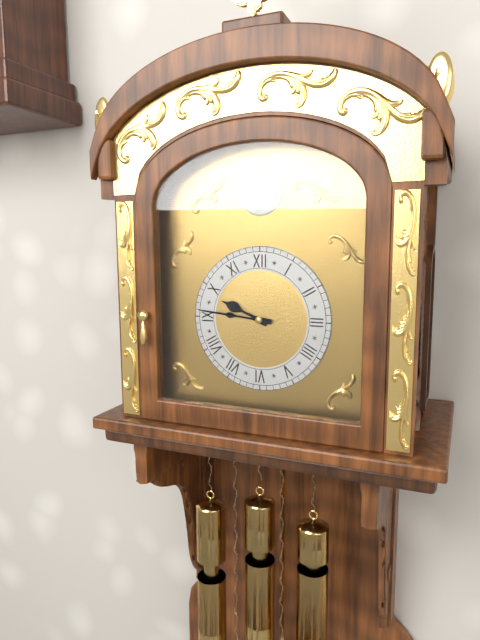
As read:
9:46
